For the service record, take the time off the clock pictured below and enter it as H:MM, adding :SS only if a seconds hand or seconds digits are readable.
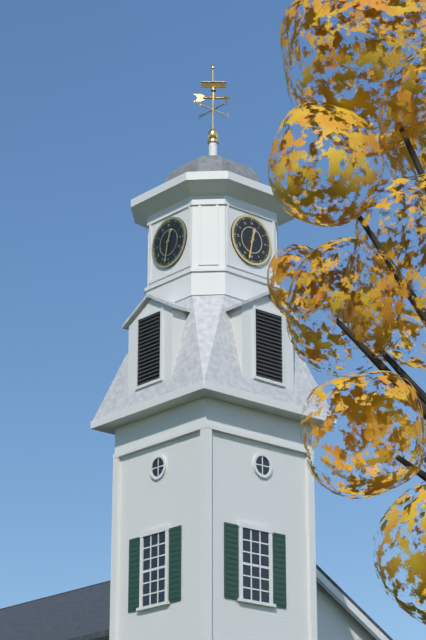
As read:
12:32
